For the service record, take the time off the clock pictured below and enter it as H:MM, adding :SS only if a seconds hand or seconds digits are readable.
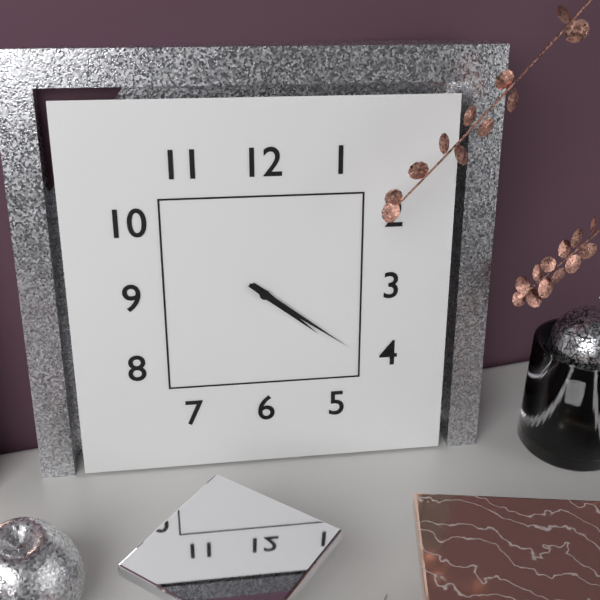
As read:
4:21
